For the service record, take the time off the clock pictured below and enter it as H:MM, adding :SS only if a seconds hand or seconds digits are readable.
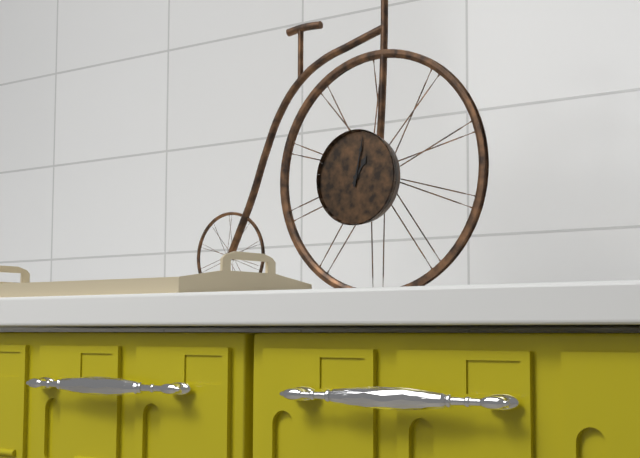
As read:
1:02
